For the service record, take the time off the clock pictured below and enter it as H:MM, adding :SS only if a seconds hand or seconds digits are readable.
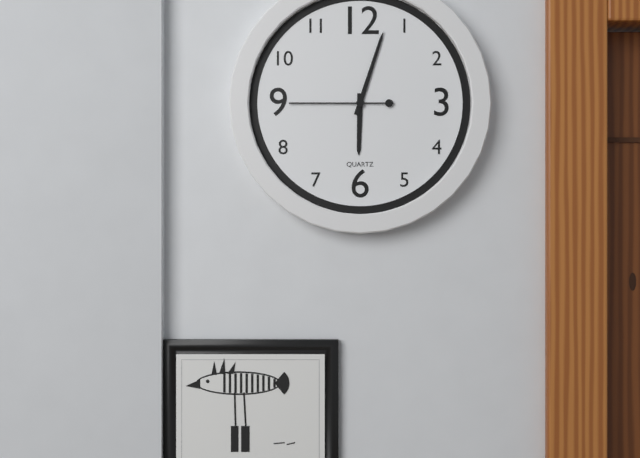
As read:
6:03:45
